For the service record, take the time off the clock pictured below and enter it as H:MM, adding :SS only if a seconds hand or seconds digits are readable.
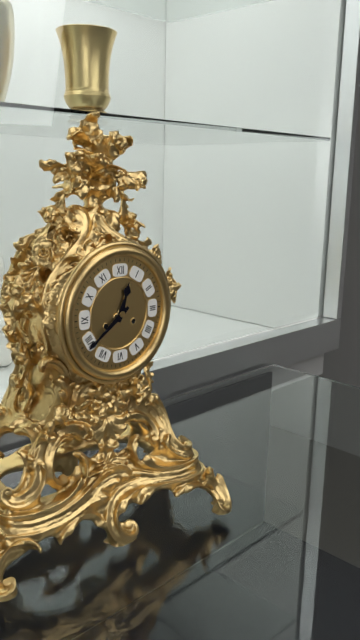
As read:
12:39
